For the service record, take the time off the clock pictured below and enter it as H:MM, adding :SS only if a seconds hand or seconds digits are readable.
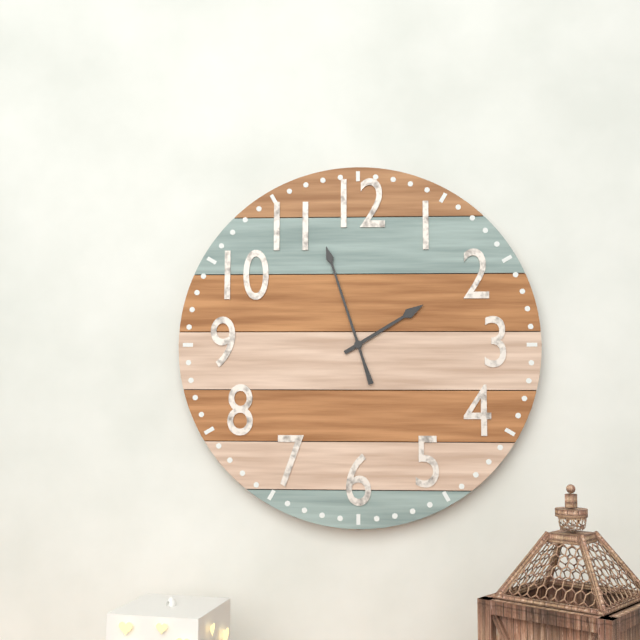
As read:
1:57
